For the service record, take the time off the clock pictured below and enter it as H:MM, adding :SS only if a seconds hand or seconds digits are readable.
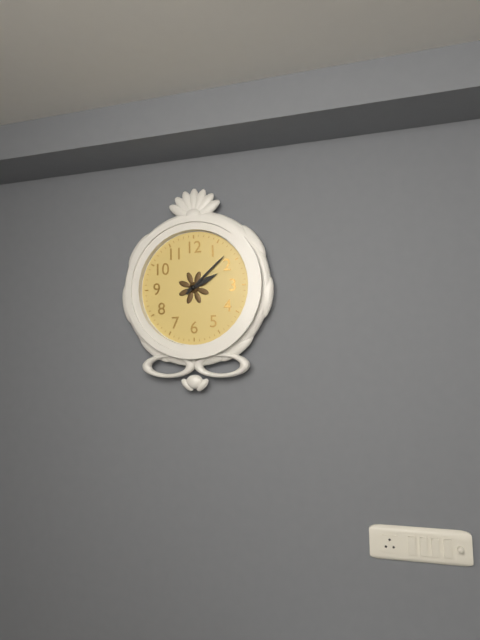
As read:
2:08
